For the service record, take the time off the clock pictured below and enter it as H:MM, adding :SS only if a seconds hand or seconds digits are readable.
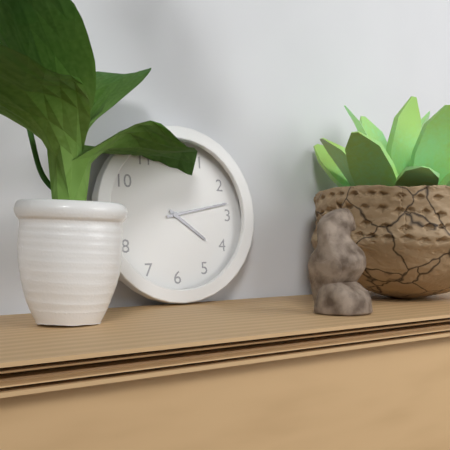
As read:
4:13
